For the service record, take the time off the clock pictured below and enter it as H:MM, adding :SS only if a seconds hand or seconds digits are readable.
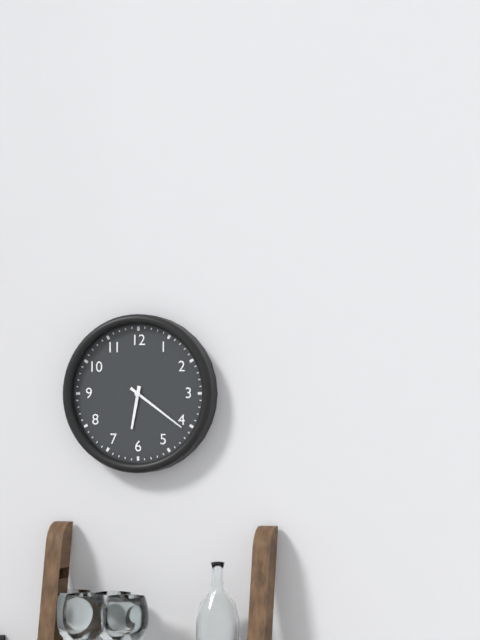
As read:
6:21
